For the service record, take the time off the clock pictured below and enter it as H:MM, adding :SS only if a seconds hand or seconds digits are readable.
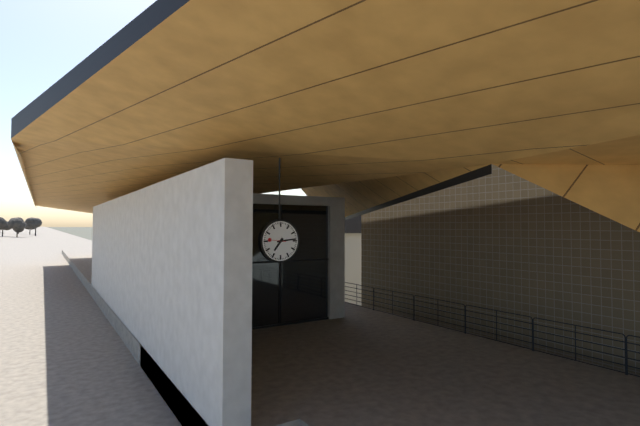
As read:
7:14
